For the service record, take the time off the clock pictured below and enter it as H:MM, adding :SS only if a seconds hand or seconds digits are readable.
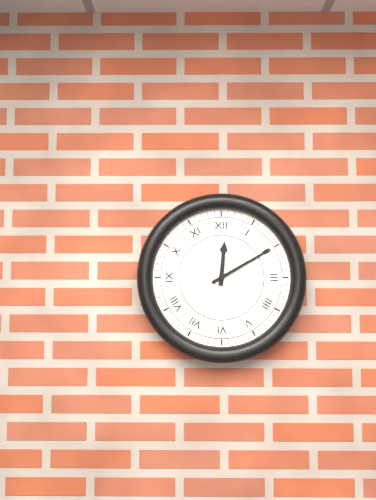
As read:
12:10
